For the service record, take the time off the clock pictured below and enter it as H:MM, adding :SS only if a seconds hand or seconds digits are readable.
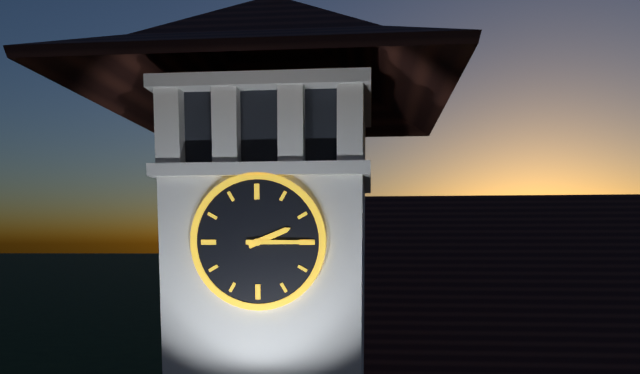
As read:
2:15
